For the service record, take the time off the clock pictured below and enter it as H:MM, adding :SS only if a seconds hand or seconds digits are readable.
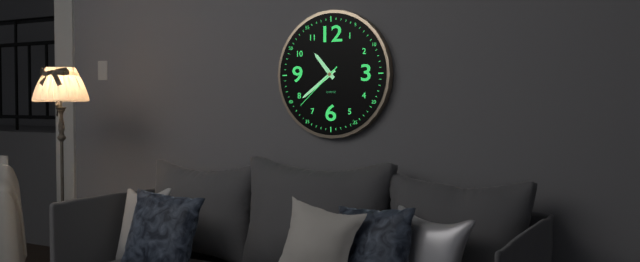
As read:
10:39:38
